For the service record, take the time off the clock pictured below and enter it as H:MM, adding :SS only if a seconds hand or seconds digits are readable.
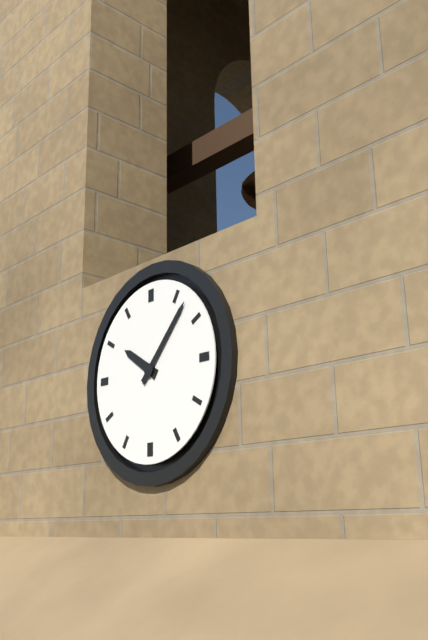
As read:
10:07
